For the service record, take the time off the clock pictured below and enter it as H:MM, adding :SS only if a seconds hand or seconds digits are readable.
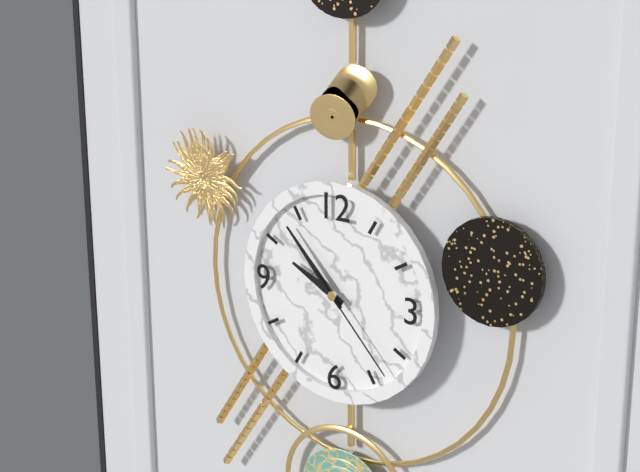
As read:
9:53:23
